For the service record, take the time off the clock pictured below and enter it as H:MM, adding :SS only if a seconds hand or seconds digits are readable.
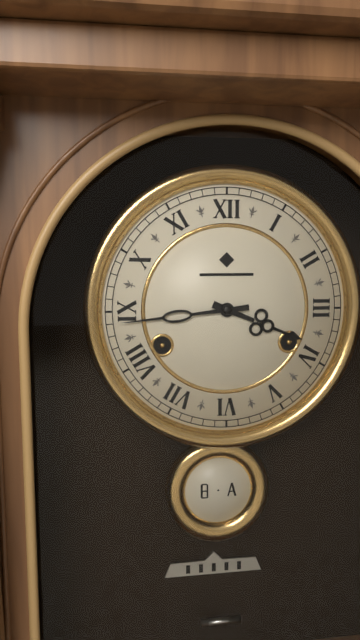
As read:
3:44
